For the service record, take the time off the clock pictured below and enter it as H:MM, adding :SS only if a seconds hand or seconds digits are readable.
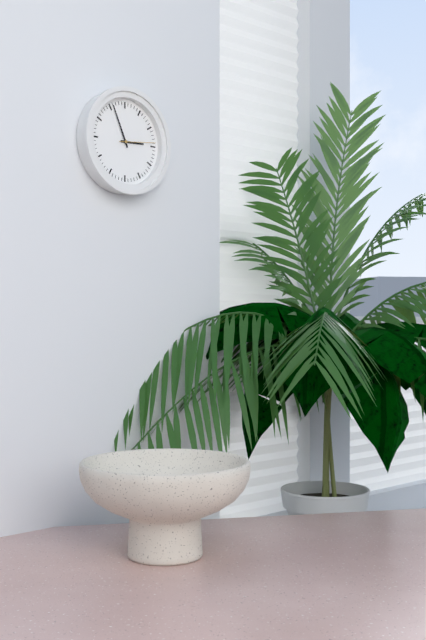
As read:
2:56
